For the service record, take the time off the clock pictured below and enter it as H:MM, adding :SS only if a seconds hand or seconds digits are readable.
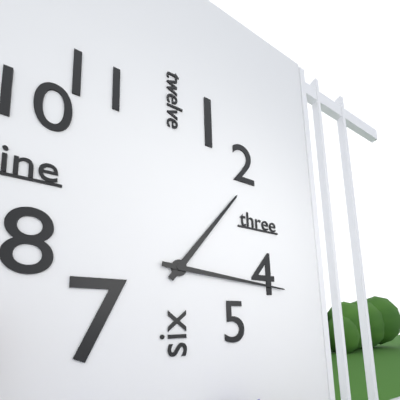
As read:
1:16
